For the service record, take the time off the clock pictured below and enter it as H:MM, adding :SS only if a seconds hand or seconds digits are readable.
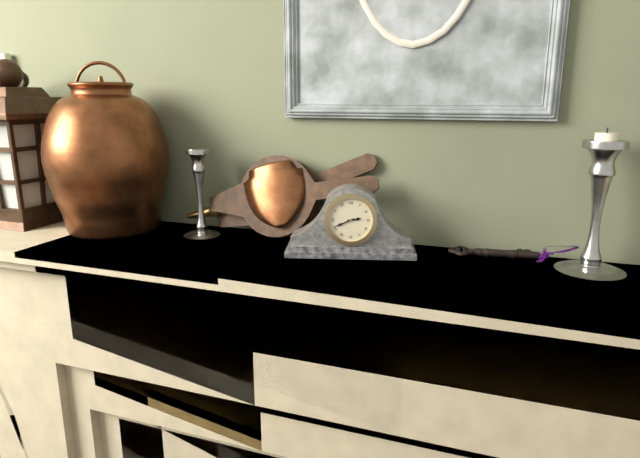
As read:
2:41
